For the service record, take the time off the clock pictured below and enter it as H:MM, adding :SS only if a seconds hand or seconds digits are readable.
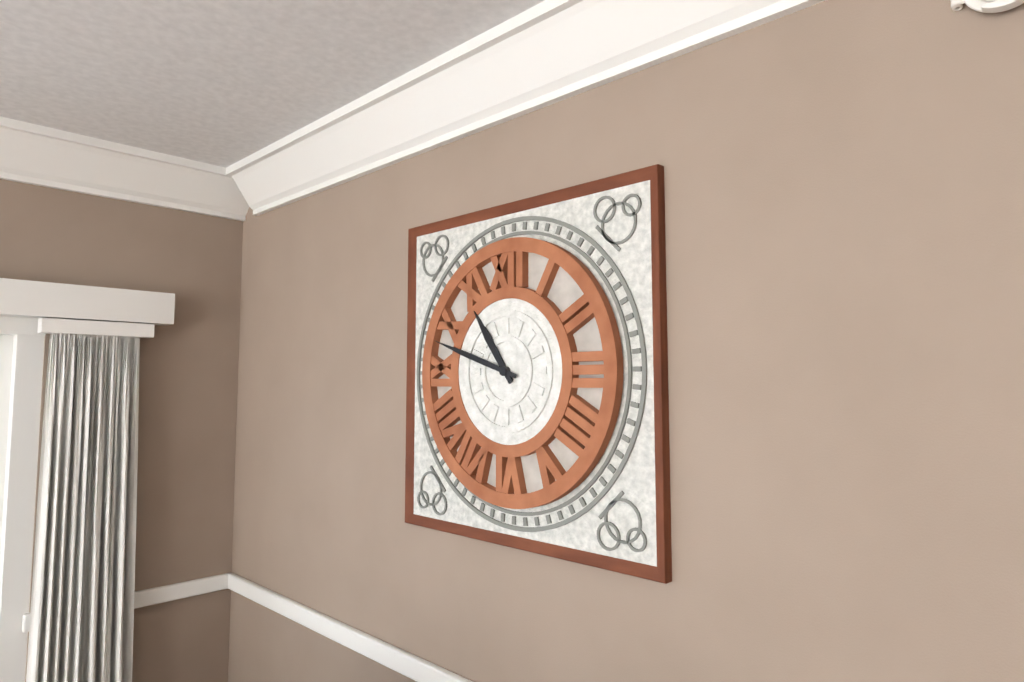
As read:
10:48
